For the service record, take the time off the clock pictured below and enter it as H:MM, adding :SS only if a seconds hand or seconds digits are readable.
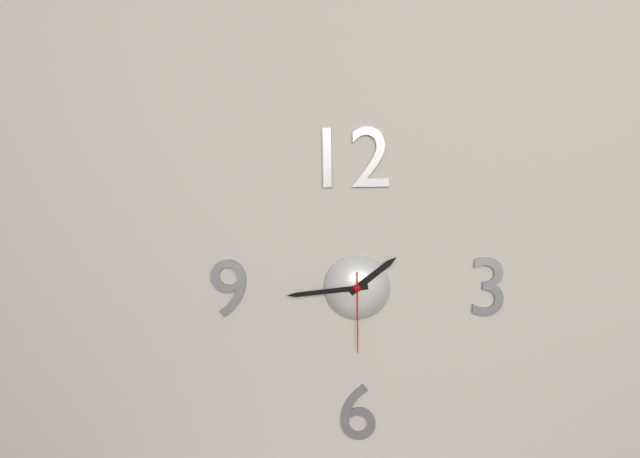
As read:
1:44:30
